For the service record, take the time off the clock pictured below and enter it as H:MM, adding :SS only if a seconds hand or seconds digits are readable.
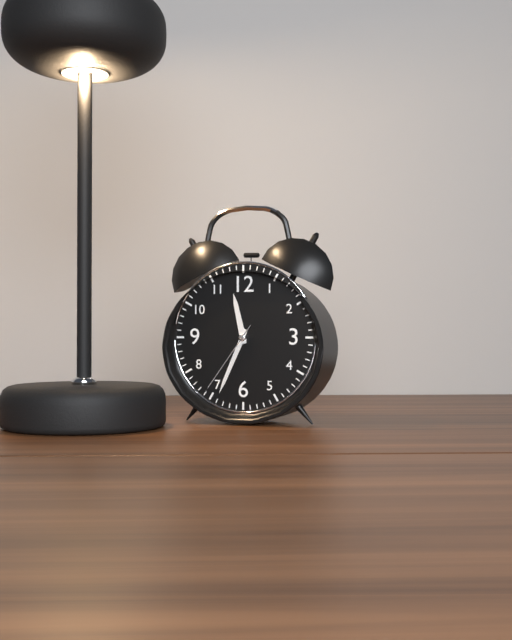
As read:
11:34:36
